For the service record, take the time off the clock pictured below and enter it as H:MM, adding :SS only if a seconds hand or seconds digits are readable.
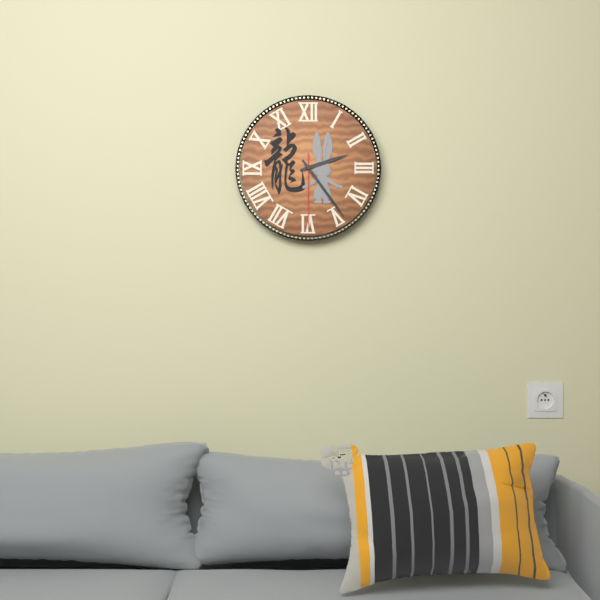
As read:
2:24:30
